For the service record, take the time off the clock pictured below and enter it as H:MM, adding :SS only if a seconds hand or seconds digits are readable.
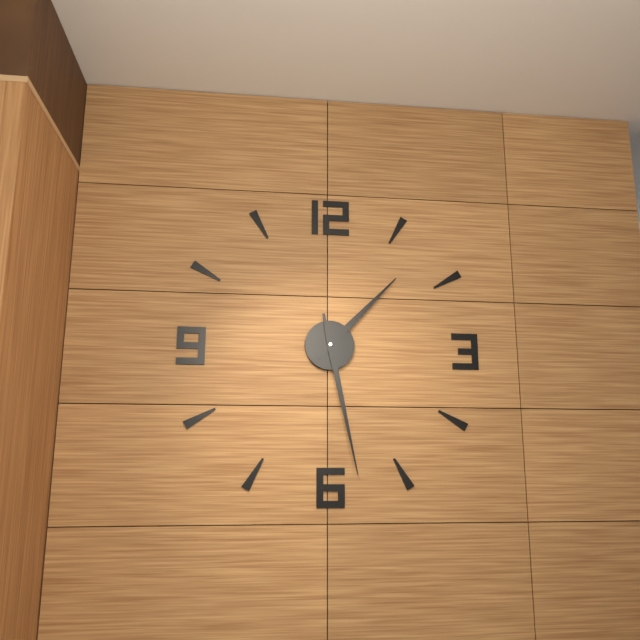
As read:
1:28
